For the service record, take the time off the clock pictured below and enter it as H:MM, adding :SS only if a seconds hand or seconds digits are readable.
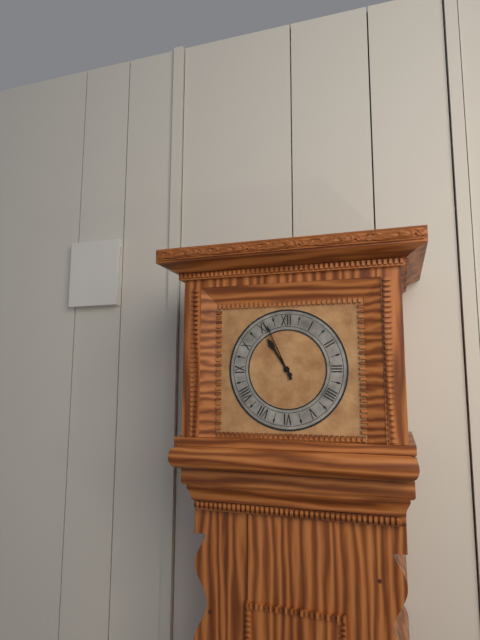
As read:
10:56
